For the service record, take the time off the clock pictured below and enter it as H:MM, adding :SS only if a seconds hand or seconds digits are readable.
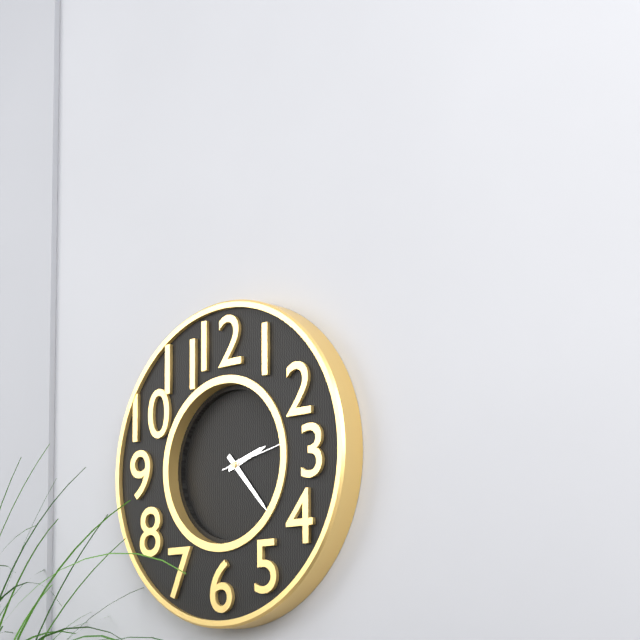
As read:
2:23:13
